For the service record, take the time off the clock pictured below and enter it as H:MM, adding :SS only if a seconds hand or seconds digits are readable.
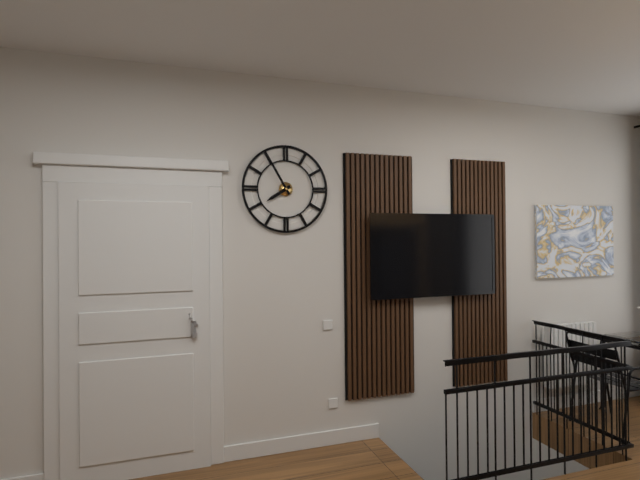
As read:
7:55
